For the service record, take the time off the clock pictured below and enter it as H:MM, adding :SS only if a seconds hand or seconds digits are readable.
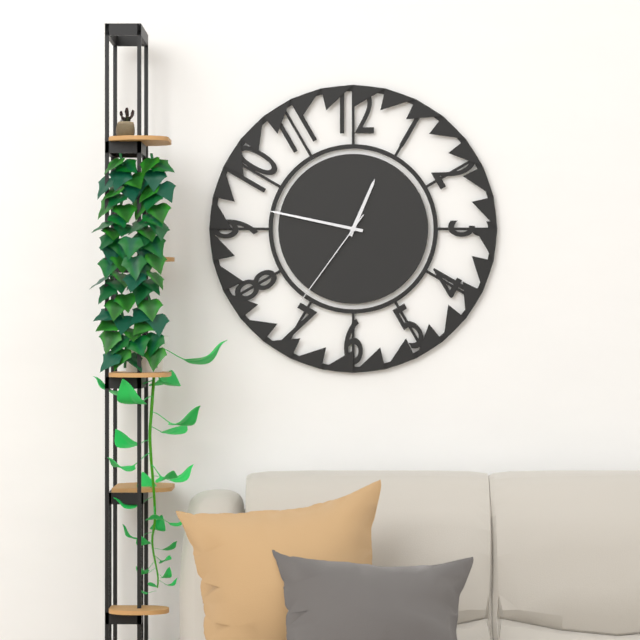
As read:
12:47:36
